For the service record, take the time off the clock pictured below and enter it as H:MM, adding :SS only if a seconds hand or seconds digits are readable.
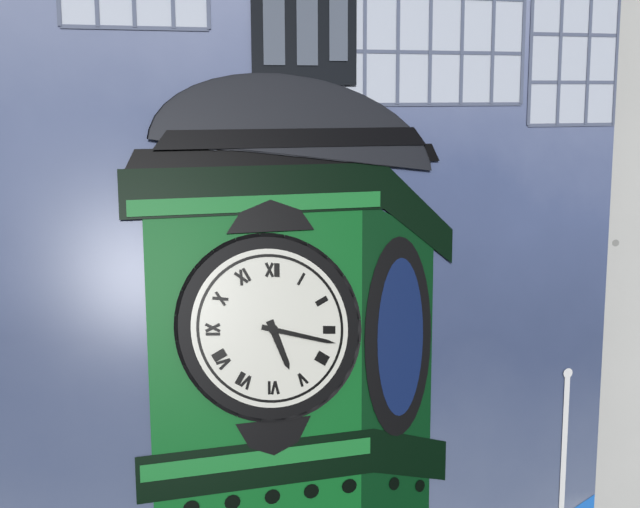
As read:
5:17
